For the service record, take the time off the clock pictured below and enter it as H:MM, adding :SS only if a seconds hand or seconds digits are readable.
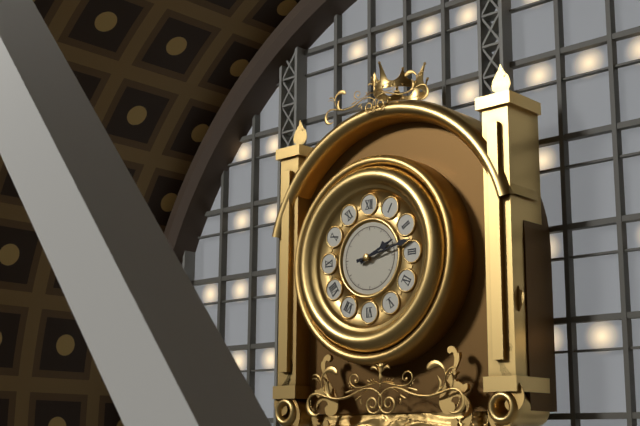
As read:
2:13
